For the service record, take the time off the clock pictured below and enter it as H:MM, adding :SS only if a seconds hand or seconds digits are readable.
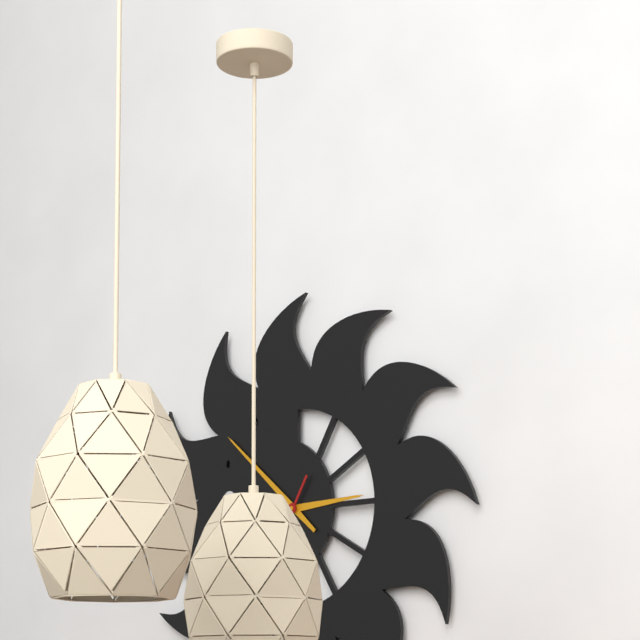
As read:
2:52
